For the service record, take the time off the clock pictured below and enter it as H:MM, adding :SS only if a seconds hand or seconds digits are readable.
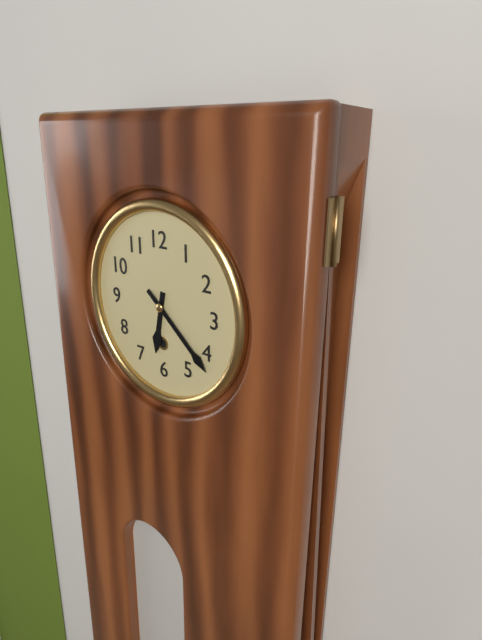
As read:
6:22
